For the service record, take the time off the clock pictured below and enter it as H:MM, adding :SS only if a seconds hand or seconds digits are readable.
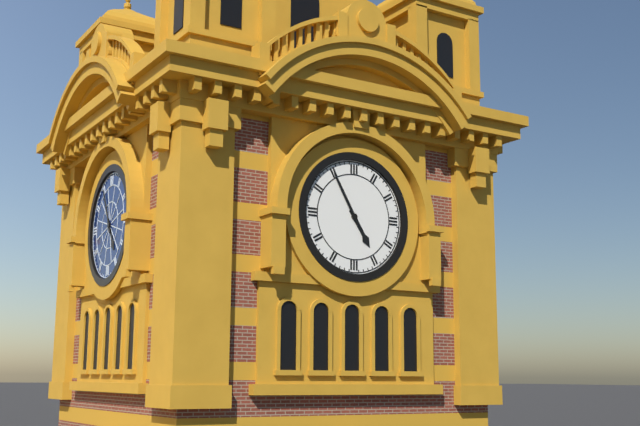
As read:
4:55
